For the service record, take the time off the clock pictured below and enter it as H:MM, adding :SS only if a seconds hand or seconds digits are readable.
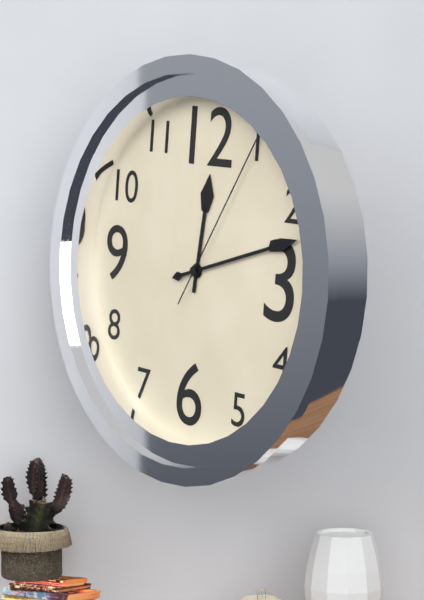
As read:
12:12:05
